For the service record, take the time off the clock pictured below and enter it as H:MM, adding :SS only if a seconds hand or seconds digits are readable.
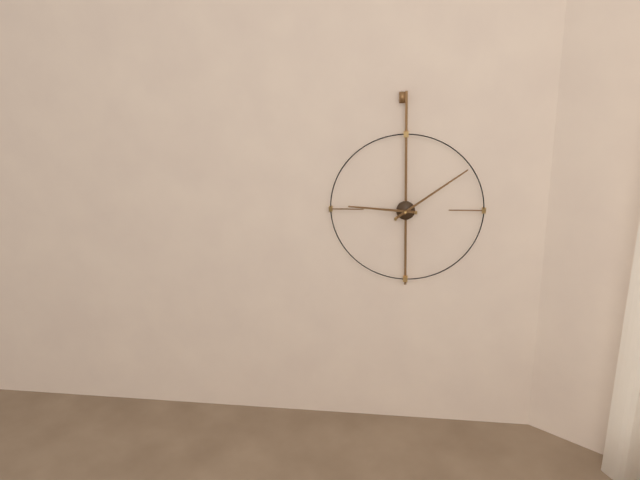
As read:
9:09
